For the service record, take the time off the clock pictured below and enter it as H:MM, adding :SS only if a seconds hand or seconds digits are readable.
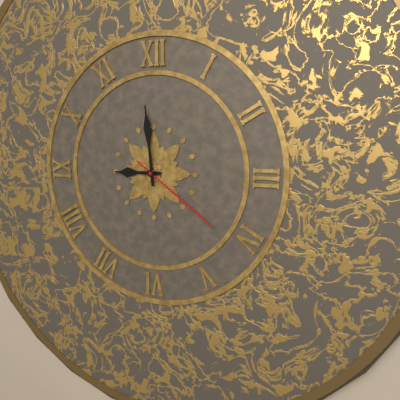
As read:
8:59:21
